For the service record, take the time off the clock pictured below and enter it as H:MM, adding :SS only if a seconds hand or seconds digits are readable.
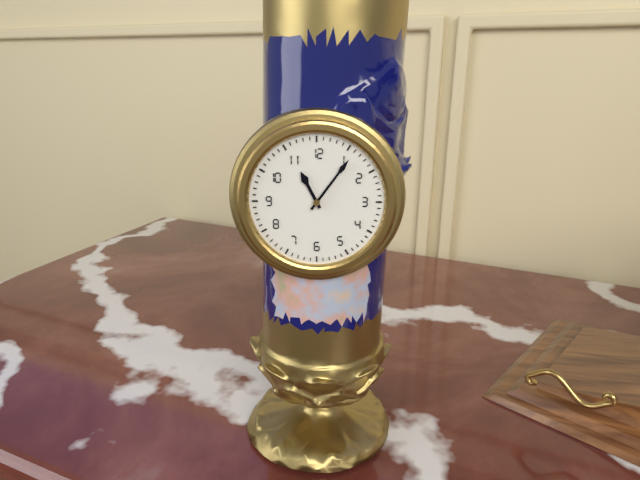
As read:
11:06
